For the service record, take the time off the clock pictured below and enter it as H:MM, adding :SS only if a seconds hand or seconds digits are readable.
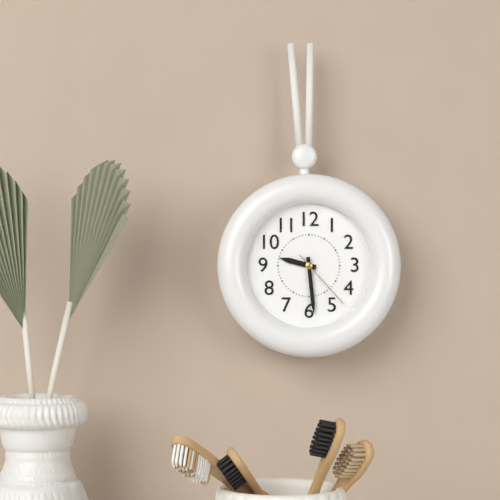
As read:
9:29:23
